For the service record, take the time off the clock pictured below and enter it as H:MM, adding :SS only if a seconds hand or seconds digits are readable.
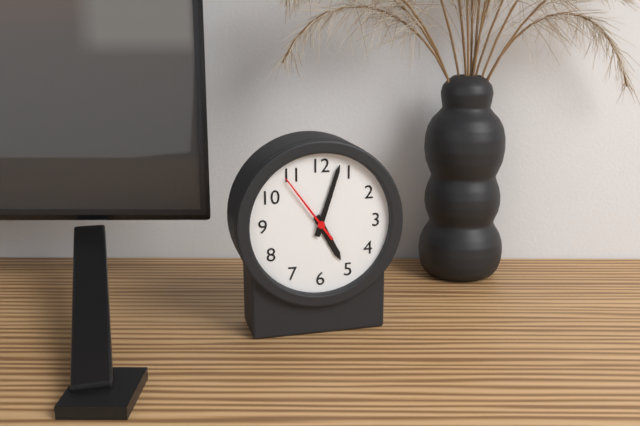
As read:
5:03:54
